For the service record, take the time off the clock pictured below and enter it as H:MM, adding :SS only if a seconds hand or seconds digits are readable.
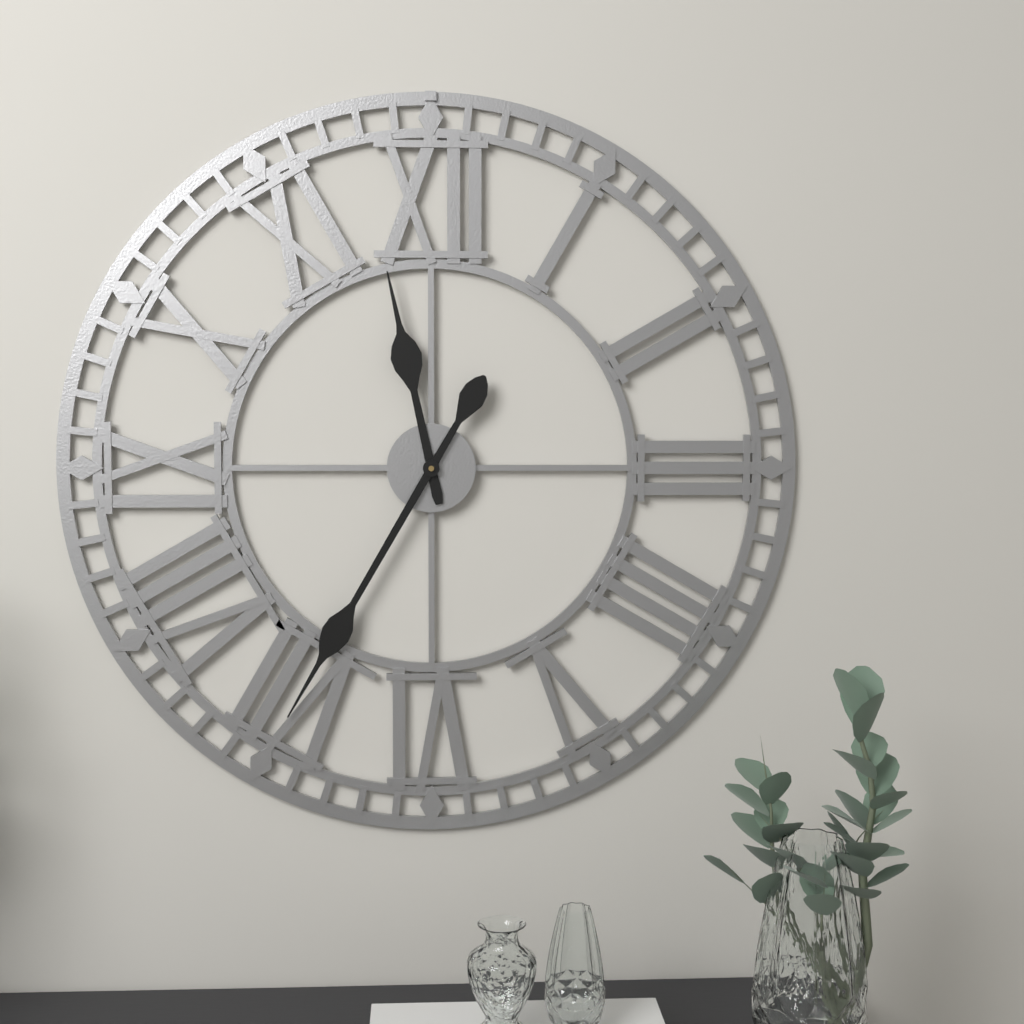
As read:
11:35
